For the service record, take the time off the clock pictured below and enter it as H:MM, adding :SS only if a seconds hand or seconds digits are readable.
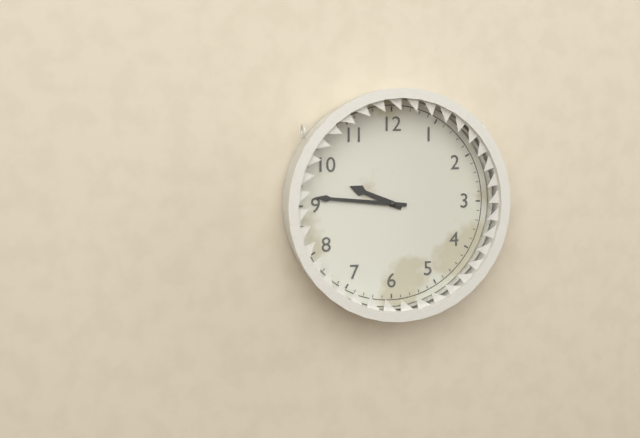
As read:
9:46
